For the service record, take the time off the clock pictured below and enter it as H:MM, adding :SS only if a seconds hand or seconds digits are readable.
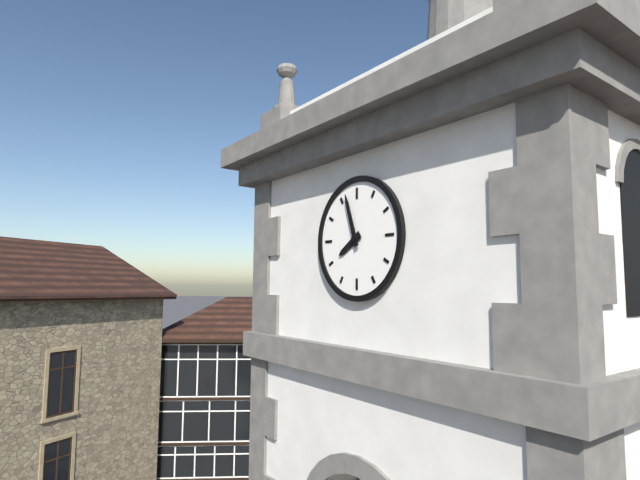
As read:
7:57
